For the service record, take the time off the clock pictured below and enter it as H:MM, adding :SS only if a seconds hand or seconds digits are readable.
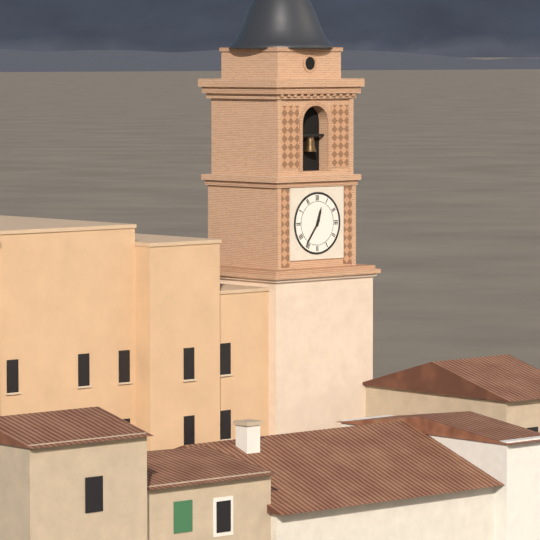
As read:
12:36
